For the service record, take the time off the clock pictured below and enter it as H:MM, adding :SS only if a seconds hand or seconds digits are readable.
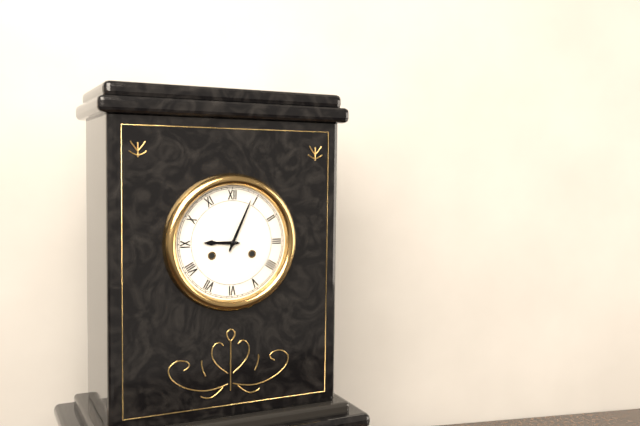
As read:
9:04
